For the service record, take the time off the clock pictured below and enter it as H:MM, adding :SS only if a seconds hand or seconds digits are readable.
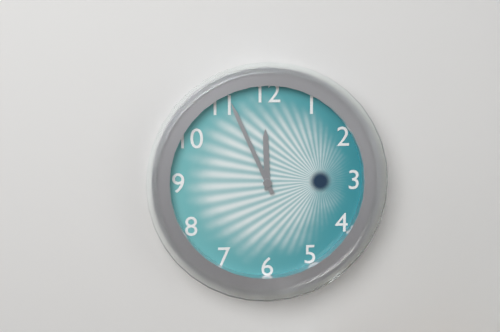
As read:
11:56
